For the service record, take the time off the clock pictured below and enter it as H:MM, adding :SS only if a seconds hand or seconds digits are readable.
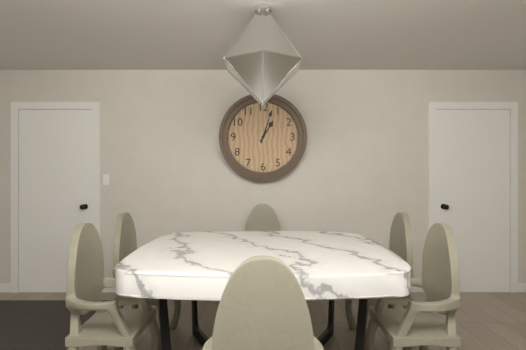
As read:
1:03
